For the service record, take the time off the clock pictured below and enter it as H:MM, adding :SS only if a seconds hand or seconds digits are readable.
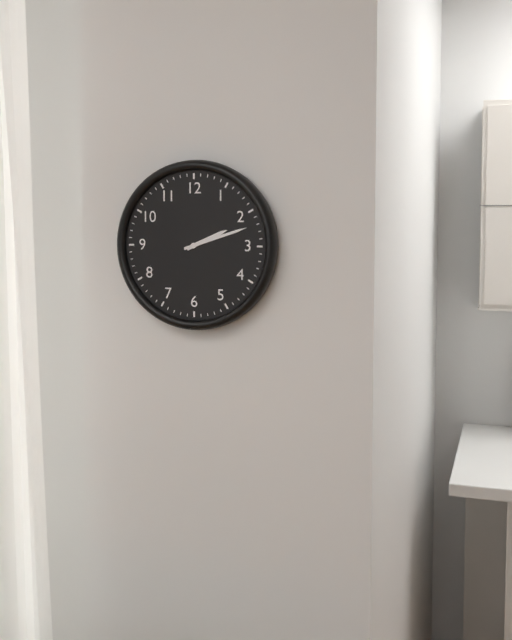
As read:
2:12
